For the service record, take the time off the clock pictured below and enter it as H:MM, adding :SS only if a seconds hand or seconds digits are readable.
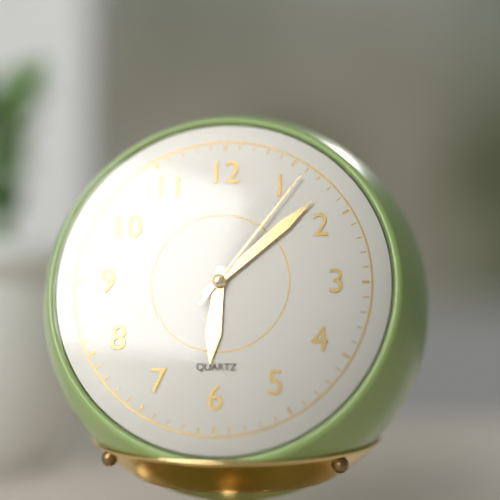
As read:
6:08:06
